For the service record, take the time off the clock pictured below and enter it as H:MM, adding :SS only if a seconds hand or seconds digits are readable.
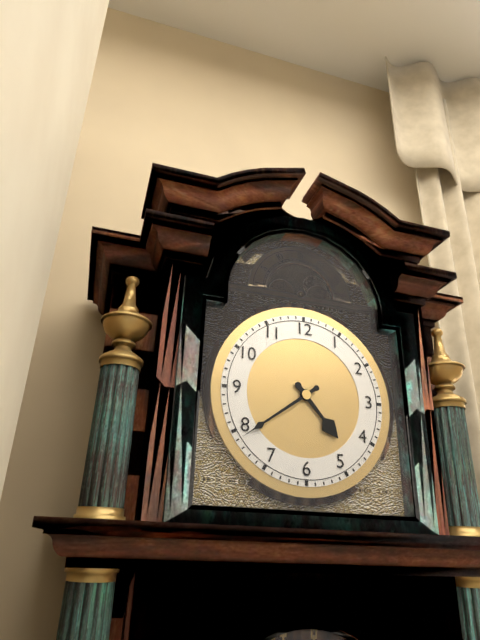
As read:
4:39
